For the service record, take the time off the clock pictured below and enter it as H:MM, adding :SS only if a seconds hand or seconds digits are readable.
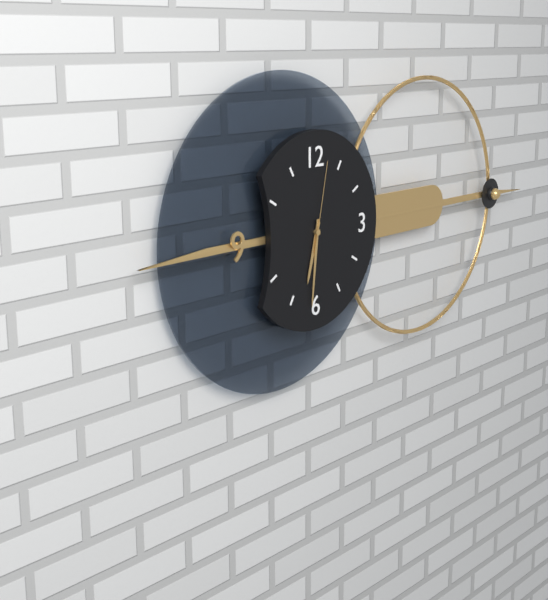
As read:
6:31:02
